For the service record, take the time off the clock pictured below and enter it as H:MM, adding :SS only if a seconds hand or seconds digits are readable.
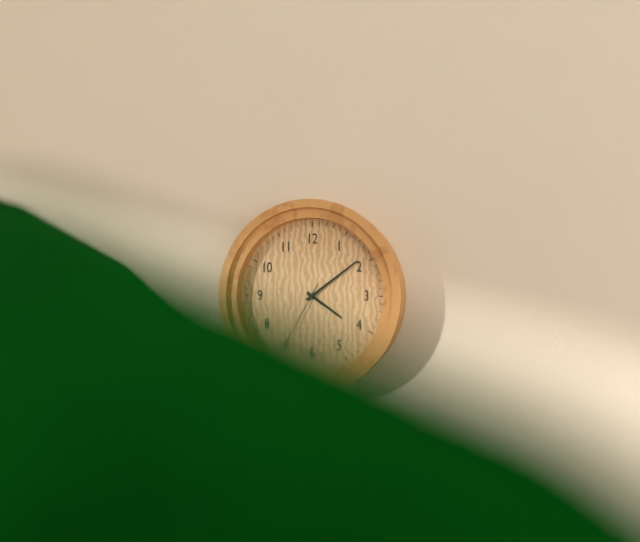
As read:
4:09
